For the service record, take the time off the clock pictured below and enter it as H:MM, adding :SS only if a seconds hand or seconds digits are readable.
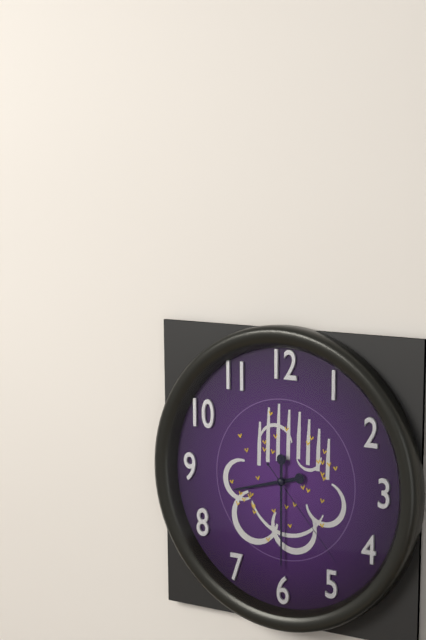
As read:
8:30:23
